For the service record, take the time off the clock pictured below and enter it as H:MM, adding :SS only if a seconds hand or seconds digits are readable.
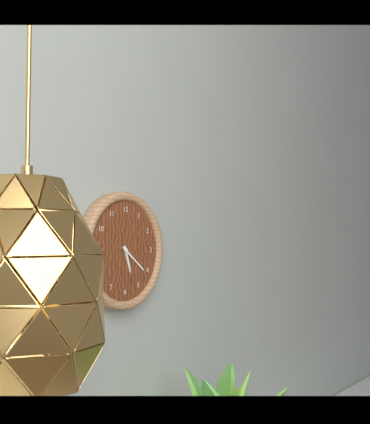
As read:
5:21
